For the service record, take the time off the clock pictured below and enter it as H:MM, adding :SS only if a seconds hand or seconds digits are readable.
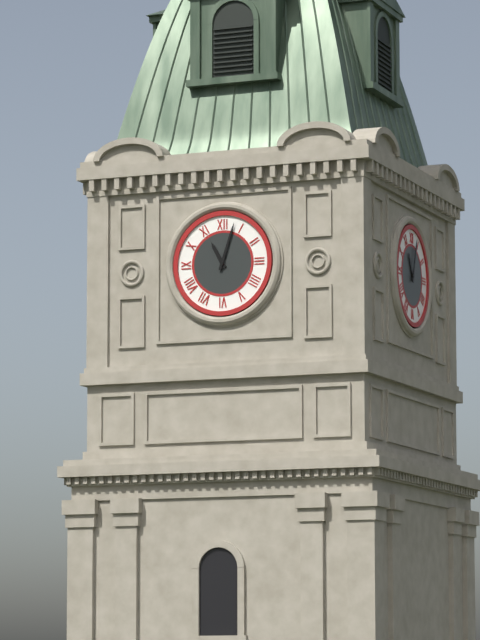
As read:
11:03
